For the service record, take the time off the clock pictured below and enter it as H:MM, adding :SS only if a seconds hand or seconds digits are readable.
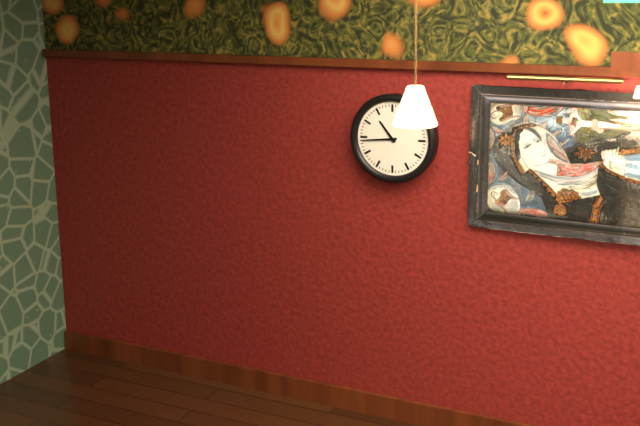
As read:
10:44
